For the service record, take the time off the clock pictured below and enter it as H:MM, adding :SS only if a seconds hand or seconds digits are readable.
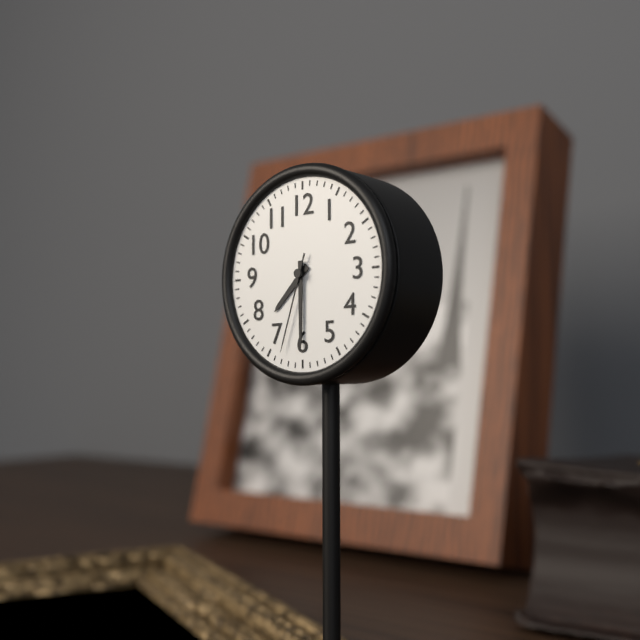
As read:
7:30:33
